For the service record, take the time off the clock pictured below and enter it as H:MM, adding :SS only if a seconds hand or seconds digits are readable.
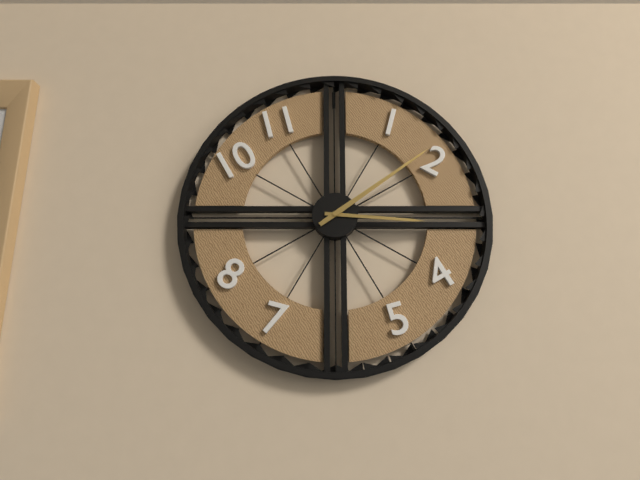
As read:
3:09
